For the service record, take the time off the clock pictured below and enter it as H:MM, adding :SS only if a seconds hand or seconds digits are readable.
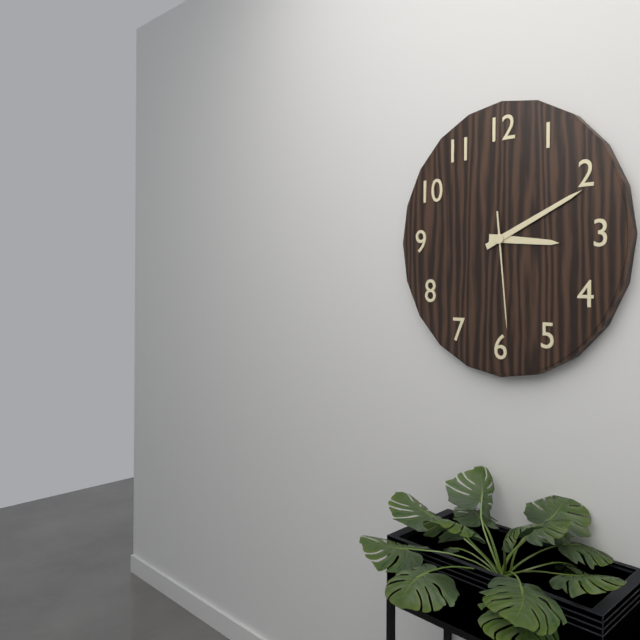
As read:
3:11:29
